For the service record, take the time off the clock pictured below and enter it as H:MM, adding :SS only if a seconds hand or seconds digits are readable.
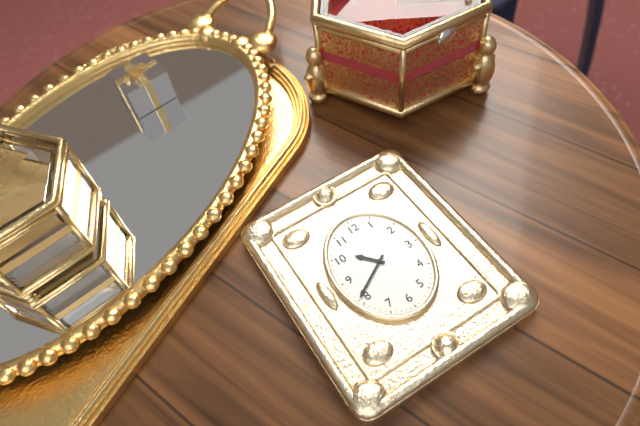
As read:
10:40
